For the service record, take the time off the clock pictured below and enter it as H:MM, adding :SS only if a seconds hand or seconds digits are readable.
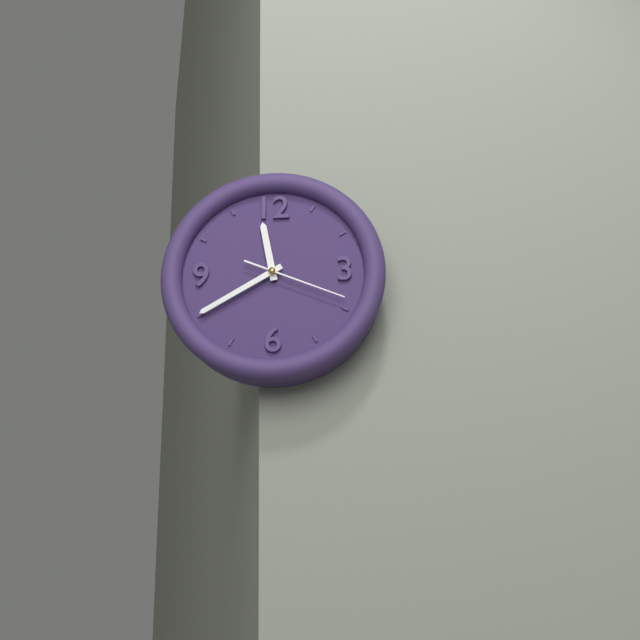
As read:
11:40:19
